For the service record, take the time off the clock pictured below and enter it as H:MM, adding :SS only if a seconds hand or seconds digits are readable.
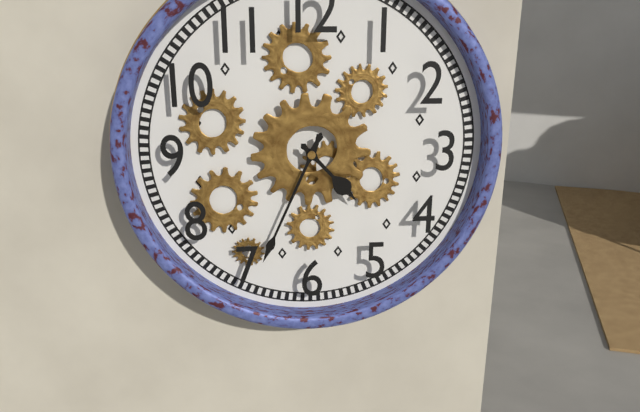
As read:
4:34
